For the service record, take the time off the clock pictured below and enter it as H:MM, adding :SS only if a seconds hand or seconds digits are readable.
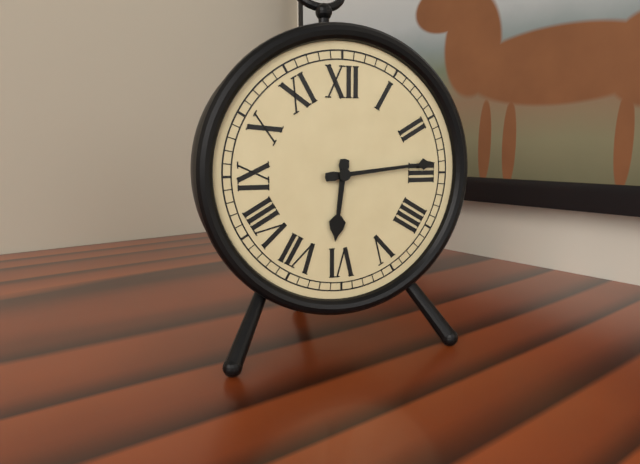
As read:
6:14
